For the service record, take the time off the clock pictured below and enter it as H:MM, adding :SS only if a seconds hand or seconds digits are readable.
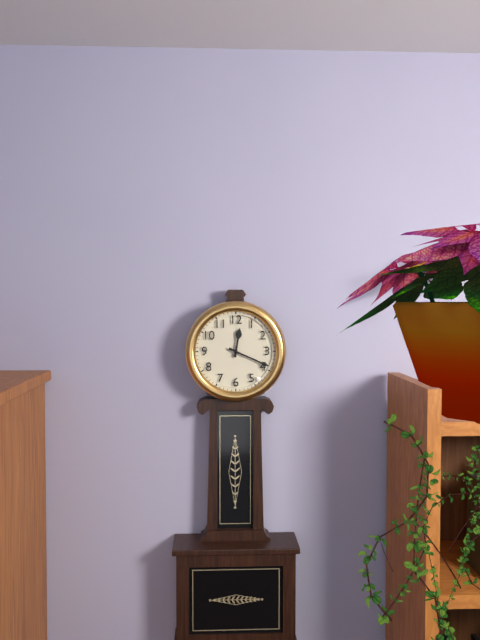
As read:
12:19
